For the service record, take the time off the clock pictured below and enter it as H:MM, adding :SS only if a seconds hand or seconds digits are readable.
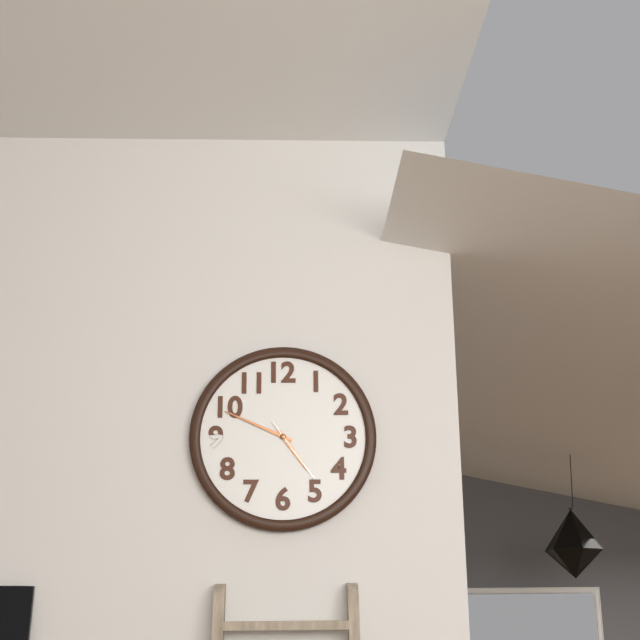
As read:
4:49:24
